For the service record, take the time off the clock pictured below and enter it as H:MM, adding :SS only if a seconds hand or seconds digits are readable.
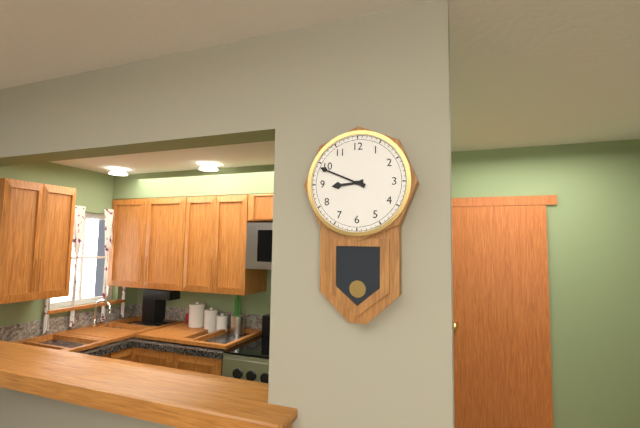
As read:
8:49
